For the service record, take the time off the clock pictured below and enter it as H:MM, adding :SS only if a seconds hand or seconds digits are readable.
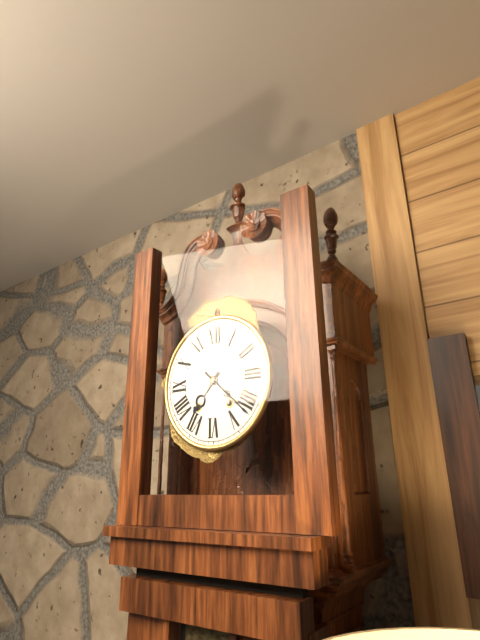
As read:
7:22
